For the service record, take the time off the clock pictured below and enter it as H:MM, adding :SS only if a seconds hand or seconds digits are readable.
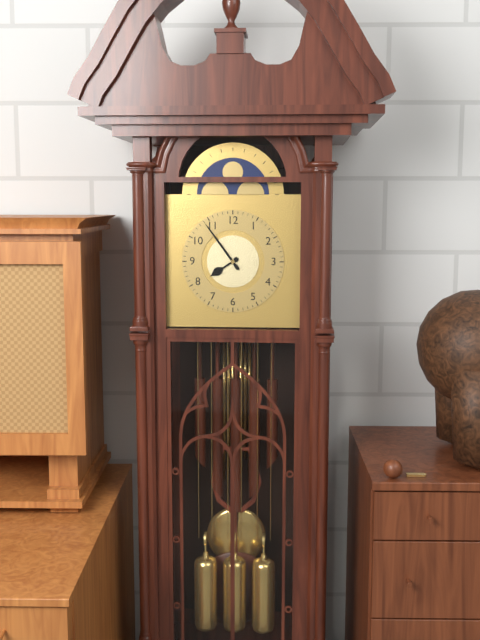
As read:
7:54
